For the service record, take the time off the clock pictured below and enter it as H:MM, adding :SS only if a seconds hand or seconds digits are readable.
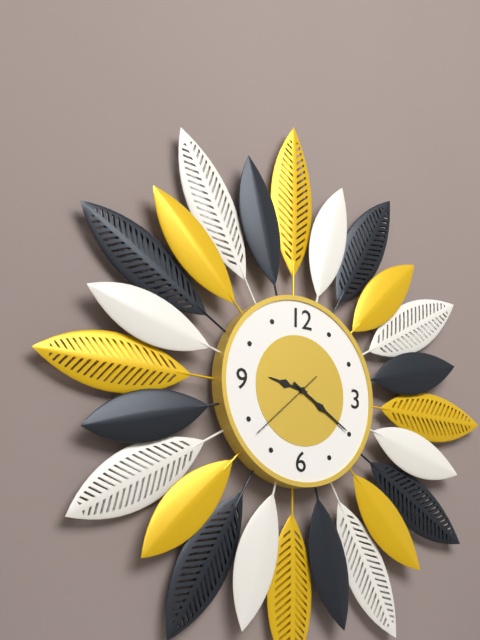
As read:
9:20:38
